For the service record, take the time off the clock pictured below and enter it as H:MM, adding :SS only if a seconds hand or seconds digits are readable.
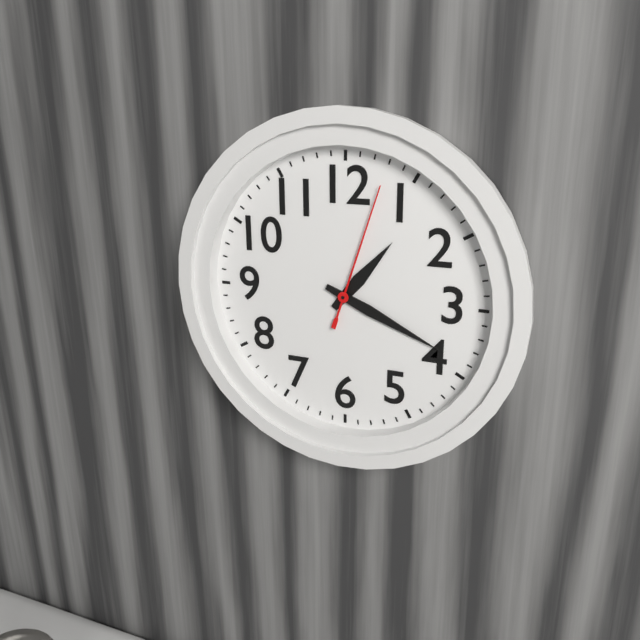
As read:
1:19:03
